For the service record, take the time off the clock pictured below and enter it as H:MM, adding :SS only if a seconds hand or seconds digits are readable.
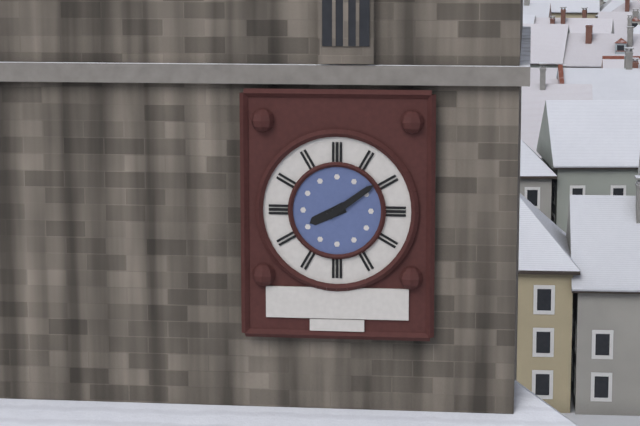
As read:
8:09
